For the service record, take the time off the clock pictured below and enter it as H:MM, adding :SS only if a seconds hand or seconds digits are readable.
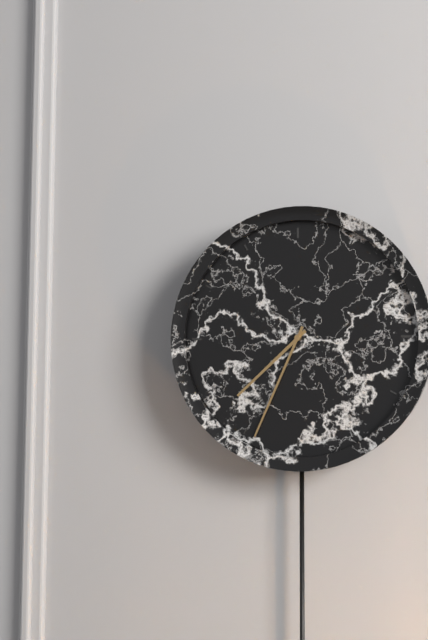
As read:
7:34
